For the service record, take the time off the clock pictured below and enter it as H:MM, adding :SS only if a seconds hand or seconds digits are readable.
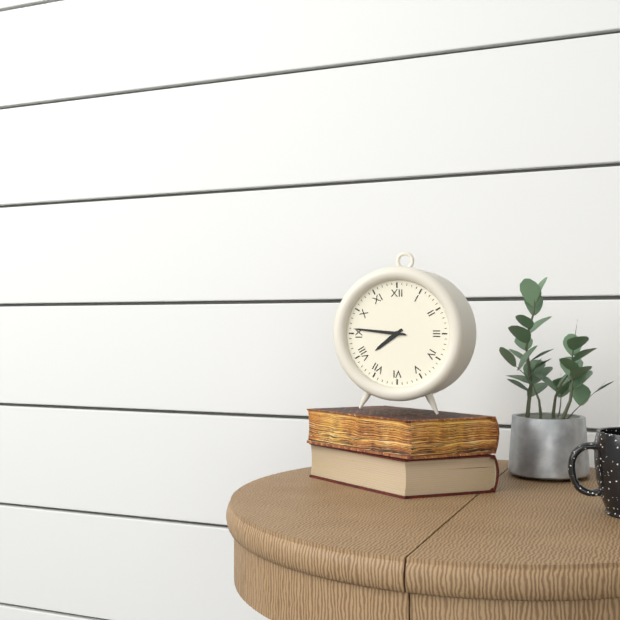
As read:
7:46
